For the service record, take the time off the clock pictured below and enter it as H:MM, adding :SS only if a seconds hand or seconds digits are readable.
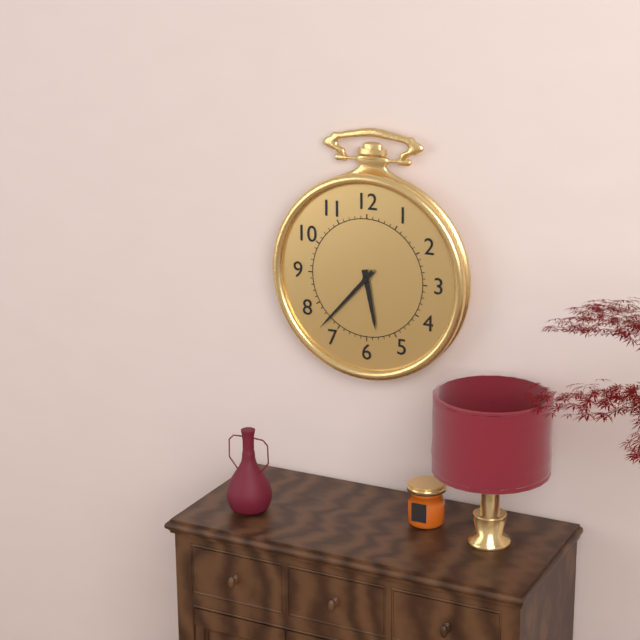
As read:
5:37
